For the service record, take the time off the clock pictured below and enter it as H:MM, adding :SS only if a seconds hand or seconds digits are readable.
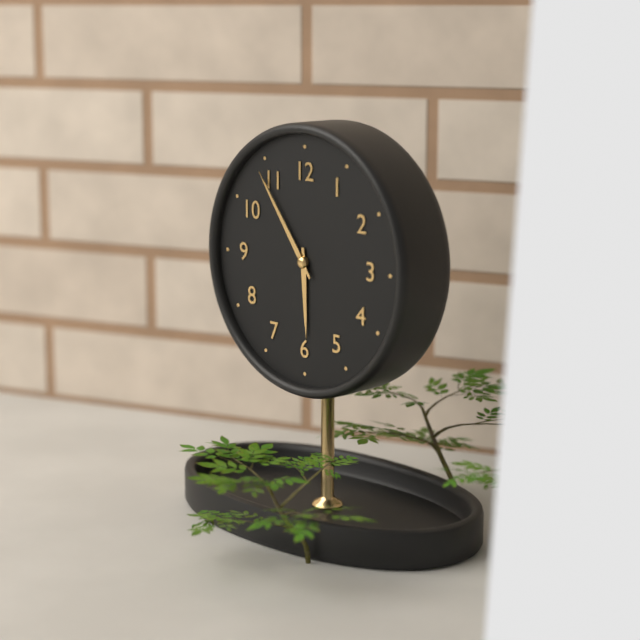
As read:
5:54
